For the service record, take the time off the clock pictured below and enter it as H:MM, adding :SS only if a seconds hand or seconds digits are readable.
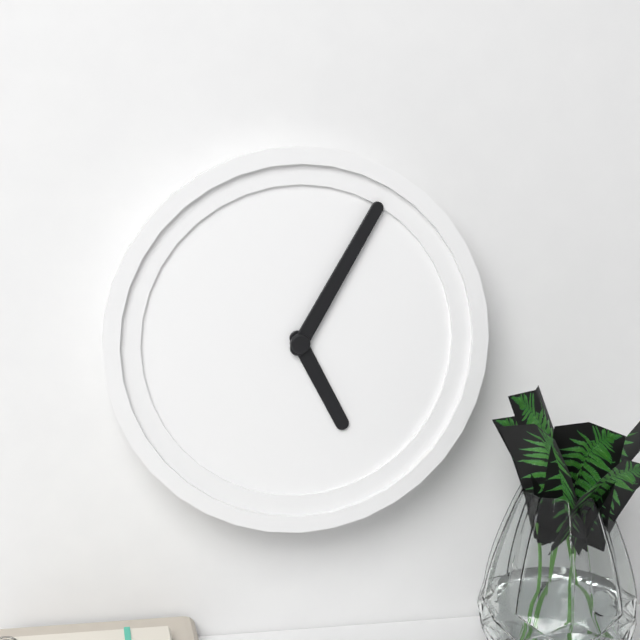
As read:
5:05
